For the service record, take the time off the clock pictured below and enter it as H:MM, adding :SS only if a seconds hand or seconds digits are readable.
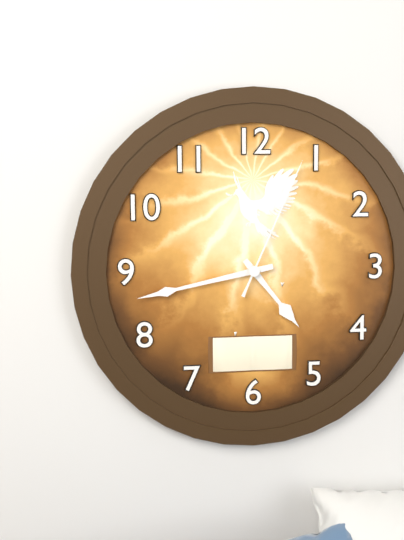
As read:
4:43:04
